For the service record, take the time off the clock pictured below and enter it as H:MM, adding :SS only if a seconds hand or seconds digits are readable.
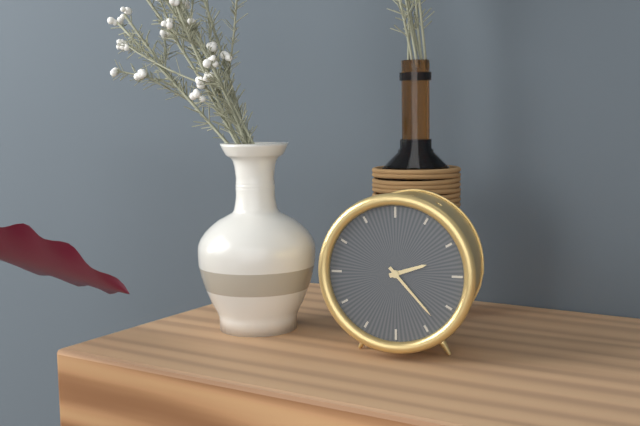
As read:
2:23
